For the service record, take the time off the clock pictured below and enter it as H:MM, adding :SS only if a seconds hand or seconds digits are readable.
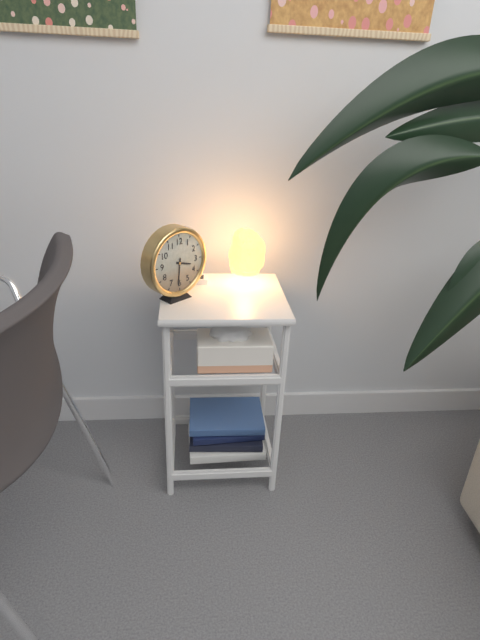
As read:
3:31
